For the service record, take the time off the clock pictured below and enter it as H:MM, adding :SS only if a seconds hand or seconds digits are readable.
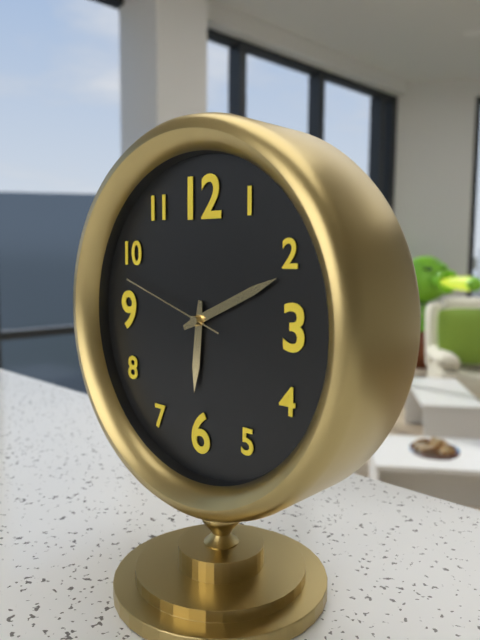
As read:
6:11:48
